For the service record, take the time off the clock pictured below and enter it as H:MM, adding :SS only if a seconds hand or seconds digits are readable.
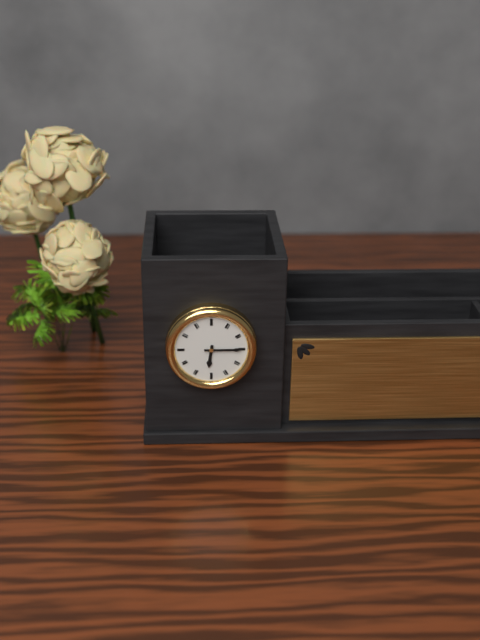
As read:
6:15
